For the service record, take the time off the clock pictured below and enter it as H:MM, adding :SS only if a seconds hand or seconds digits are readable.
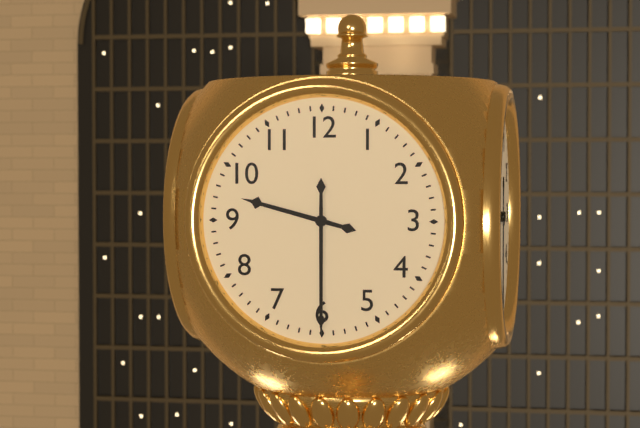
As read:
9:30
